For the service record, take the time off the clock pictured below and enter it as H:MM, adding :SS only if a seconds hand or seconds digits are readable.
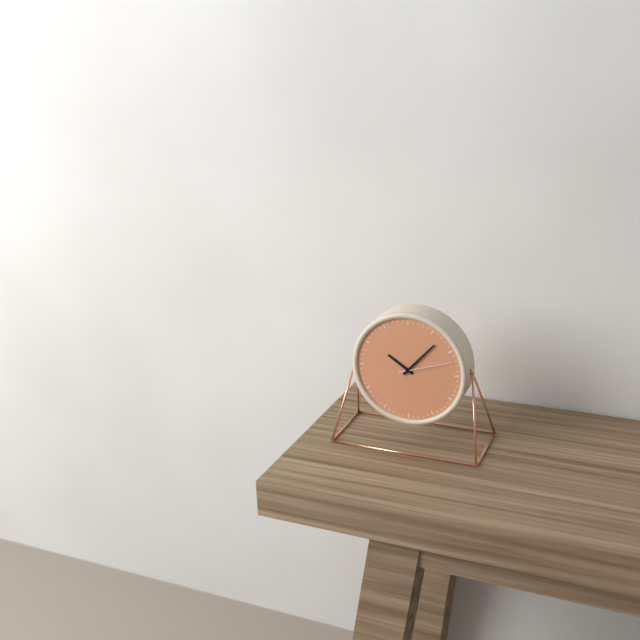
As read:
10:07:12
